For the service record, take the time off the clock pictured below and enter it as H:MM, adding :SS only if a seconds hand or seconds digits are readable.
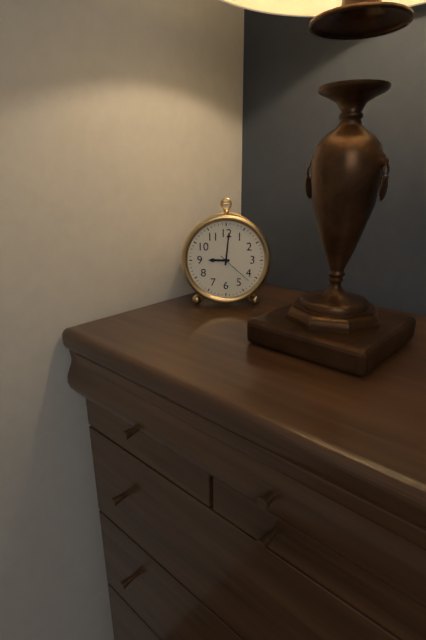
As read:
9:01
